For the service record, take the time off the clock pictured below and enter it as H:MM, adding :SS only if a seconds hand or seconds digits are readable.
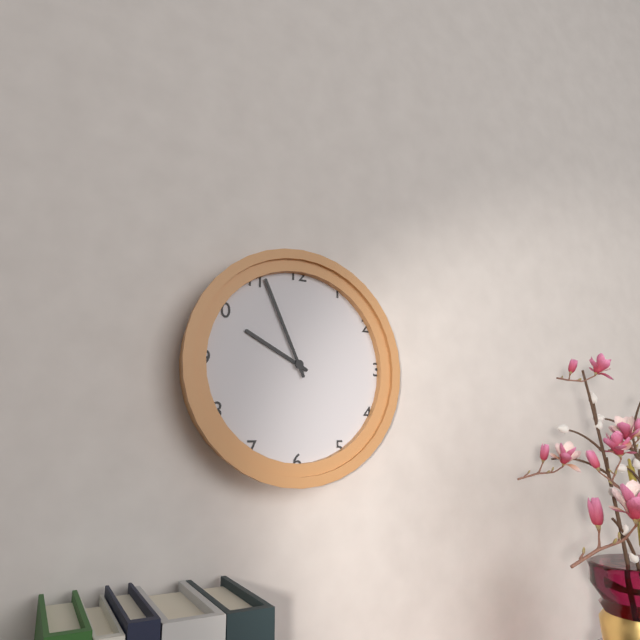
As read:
9:56
